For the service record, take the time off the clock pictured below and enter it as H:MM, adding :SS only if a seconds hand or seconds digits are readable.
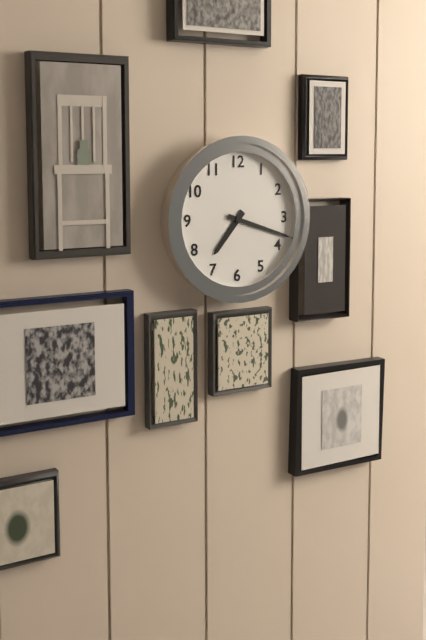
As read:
7:18
